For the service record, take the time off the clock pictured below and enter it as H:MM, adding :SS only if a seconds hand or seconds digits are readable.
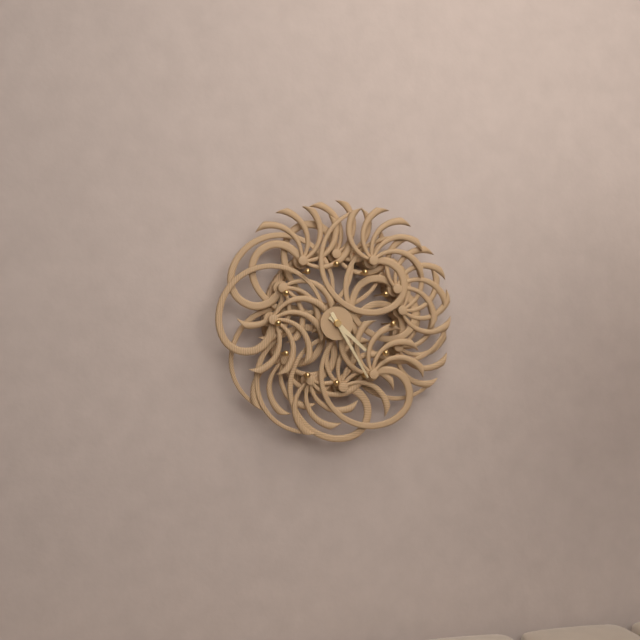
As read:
4:25
